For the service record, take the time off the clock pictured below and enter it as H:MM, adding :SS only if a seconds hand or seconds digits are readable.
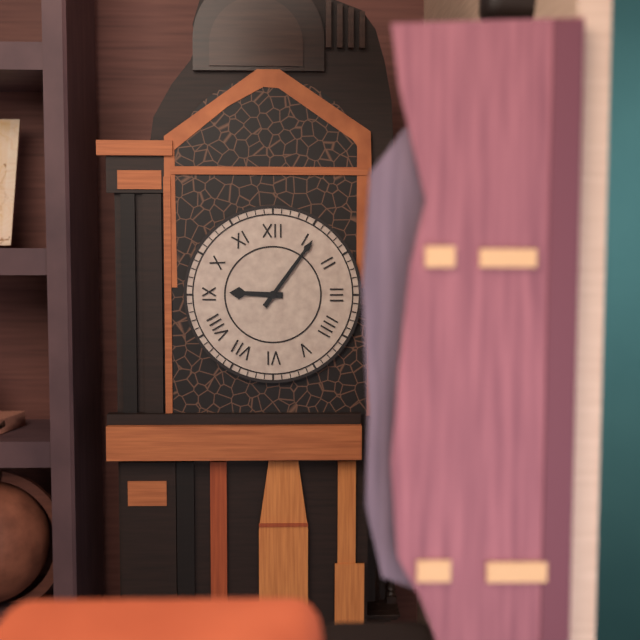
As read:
9:06
